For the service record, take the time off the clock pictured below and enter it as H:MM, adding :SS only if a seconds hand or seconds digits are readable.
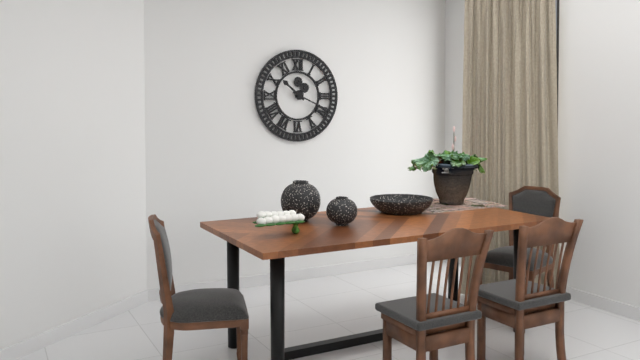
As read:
10:19
